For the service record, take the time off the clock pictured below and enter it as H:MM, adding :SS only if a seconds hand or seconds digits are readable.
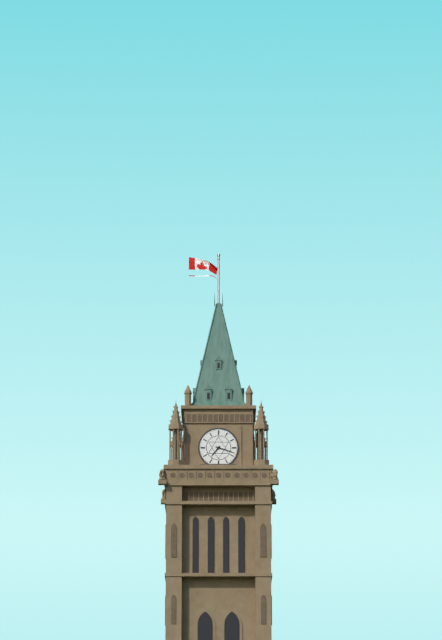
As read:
7:18
